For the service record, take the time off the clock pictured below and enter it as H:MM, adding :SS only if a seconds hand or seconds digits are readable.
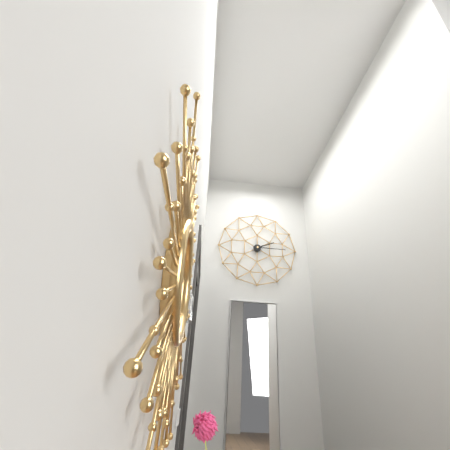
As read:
2:15
